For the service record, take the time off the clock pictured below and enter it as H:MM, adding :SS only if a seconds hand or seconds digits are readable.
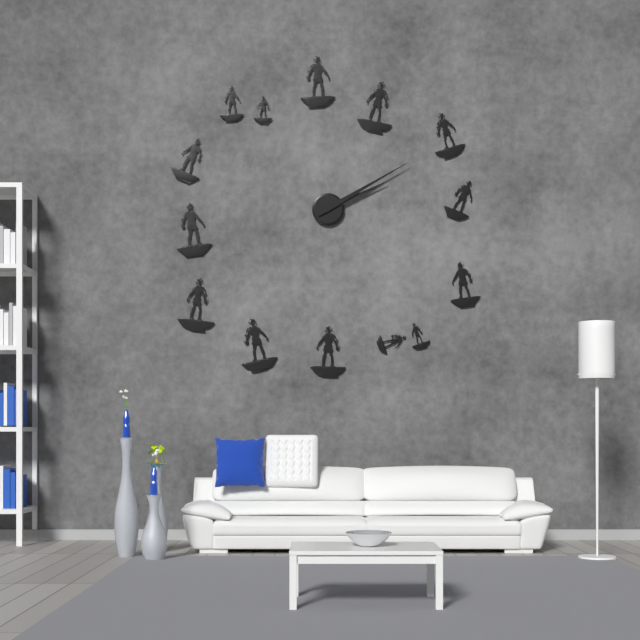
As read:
2:10
